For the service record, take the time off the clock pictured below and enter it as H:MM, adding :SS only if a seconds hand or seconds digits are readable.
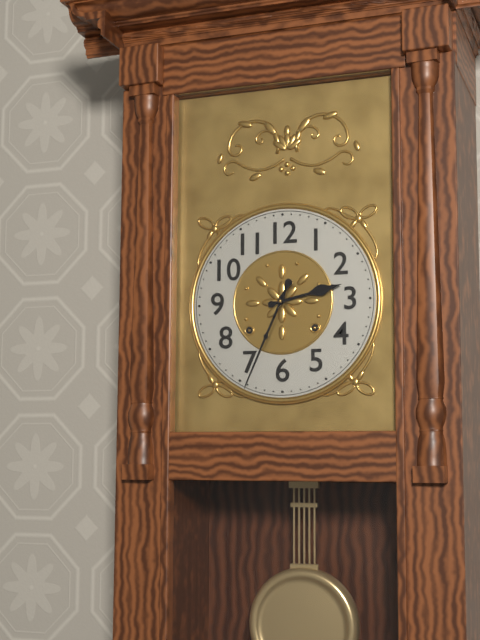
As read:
2:34
